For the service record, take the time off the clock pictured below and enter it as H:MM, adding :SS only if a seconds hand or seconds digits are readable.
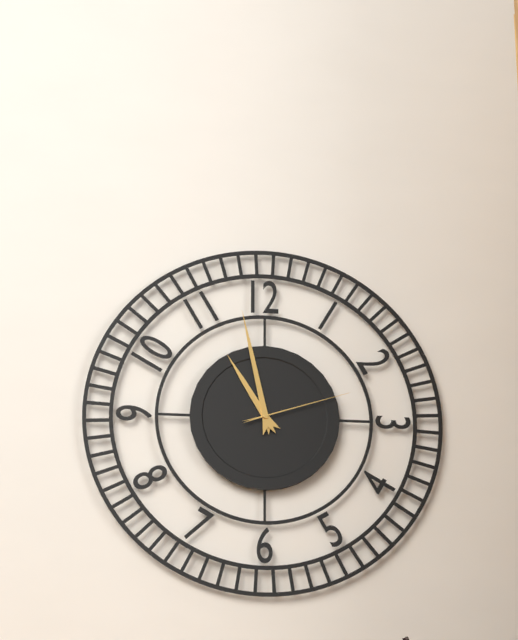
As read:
10:58:12
